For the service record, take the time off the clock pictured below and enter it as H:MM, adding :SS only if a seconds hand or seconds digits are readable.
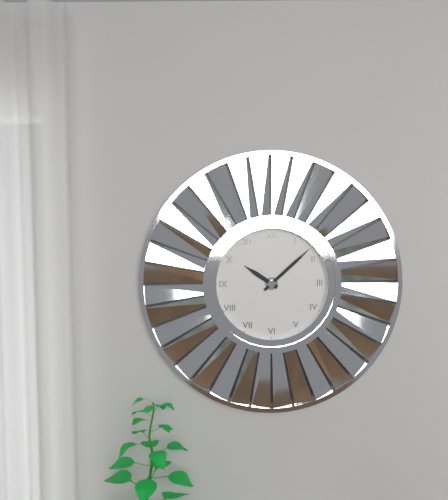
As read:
10:08
